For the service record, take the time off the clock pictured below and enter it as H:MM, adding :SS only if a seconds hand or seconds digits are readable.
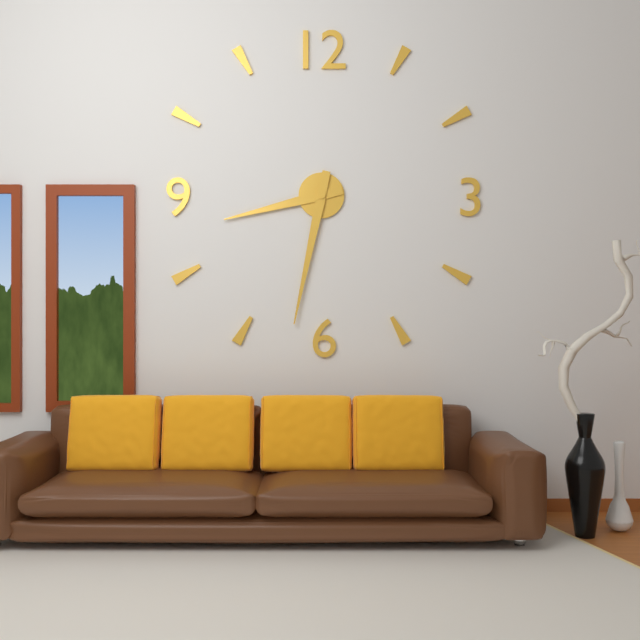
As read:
8:32
